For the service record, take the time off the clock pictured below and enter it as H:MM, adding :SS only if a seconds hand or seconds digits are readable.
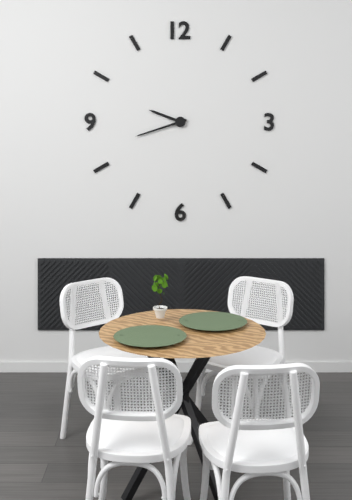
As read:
9:42
